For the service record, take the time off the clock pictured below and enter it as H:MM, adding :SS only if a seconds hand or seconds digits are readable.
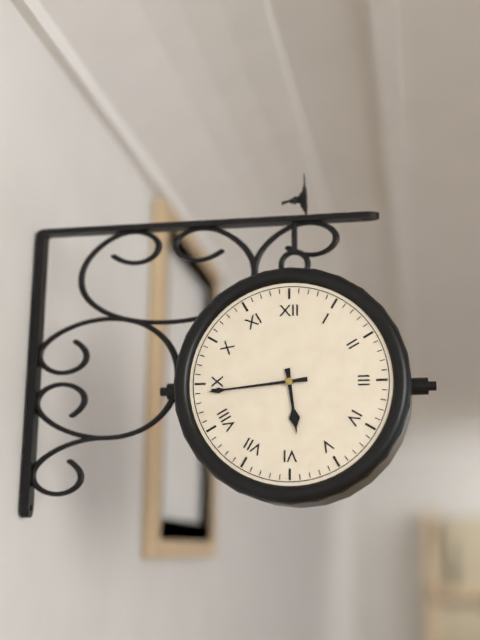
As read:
5:44
